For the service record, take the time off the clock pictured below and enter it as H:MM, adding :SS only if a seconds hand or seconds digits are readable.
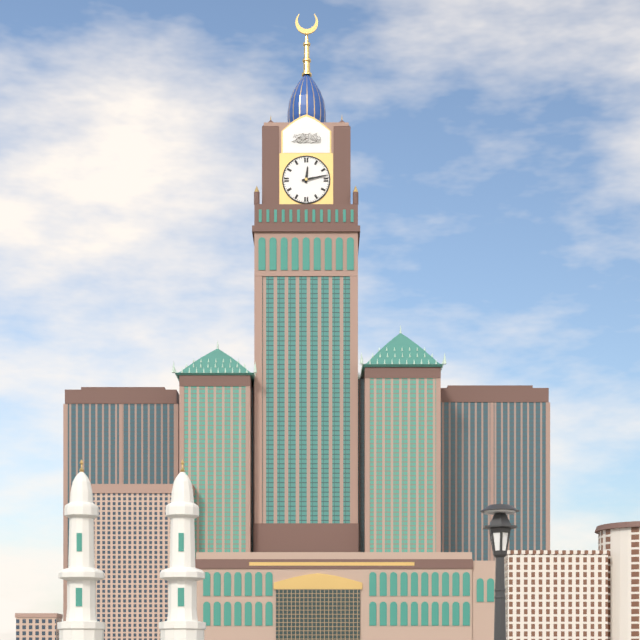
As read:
12:13
